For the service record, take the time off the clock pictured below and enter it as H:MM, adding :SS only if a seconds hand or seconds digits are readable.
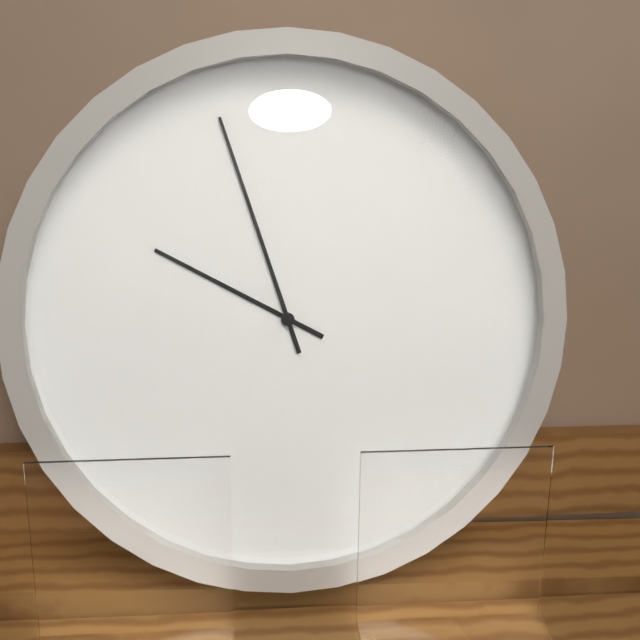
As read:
9:57
